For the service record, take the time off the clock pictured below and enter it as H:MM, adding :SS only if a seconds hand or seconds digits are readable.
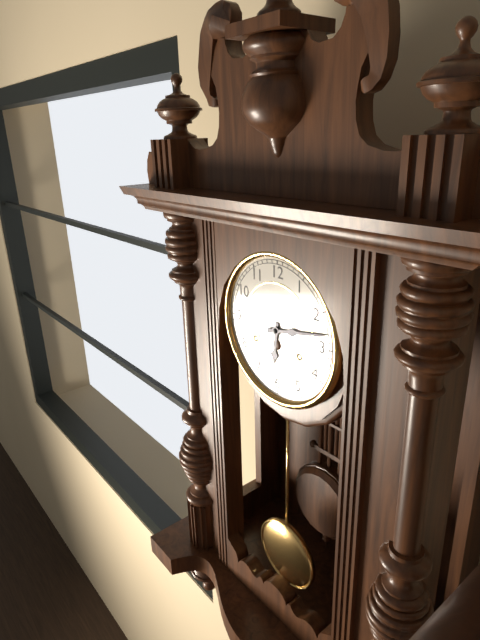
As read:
6:13
